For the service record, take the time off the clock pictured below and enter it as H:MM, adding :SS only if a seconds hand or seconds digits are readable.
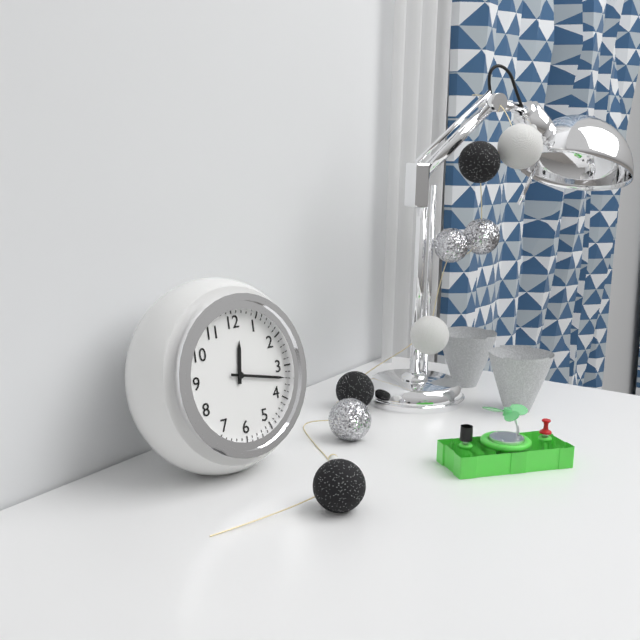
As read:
12:17
